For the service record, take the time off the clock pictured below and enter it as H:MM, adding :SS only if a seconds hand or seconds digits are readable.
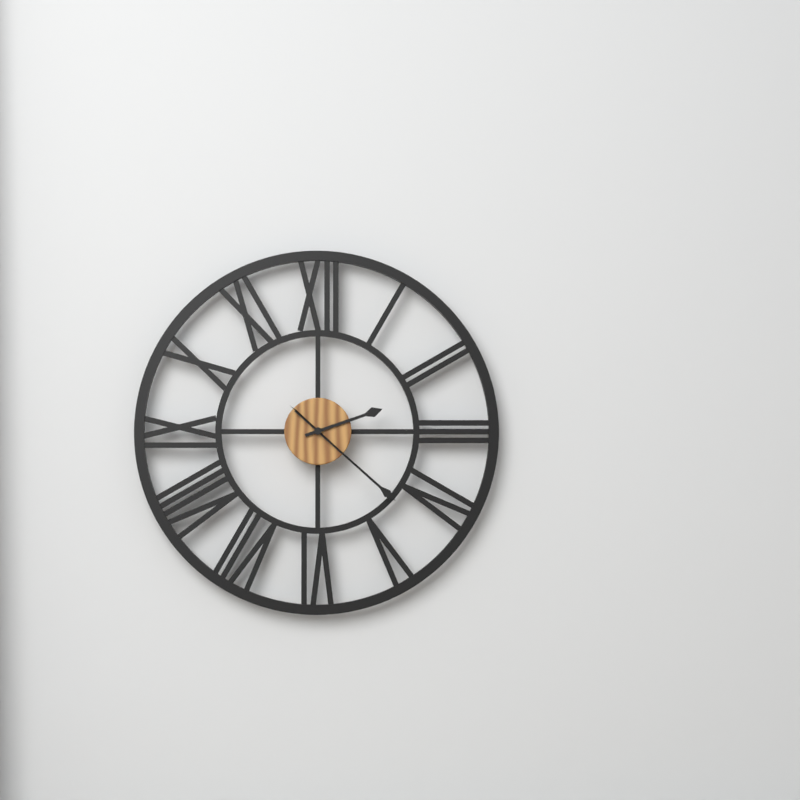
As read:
2:22
